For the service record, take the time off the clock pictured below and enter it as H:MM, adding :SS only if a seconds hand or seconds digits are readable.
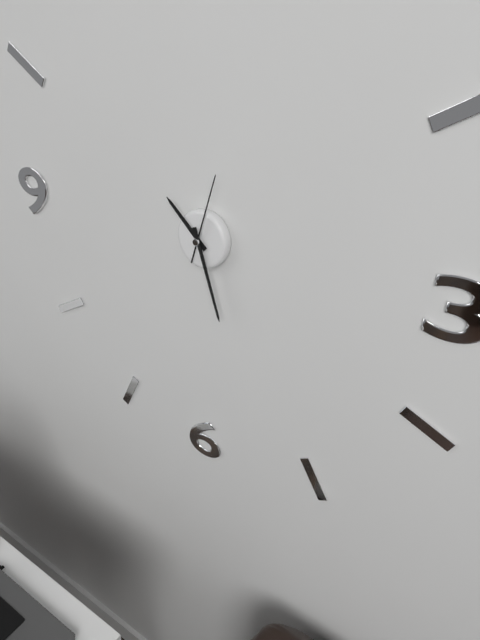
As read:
10:27:03
